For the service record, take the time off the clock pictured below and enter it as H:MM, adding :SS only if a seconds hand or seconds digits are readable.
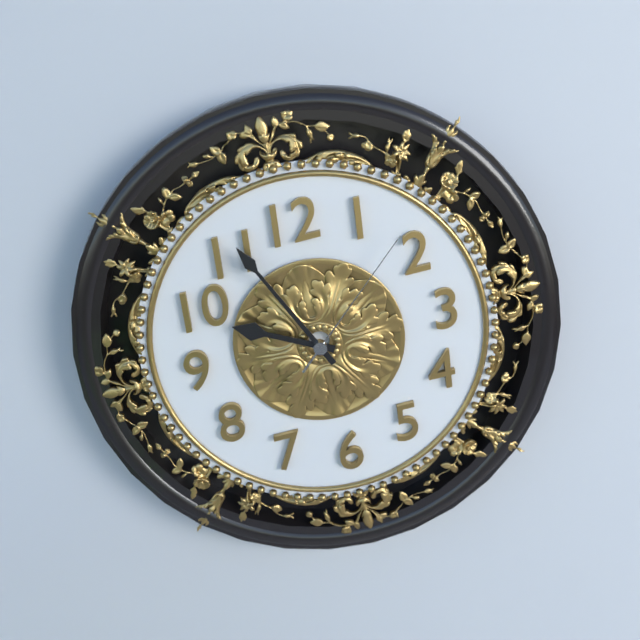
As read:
9:56:08
